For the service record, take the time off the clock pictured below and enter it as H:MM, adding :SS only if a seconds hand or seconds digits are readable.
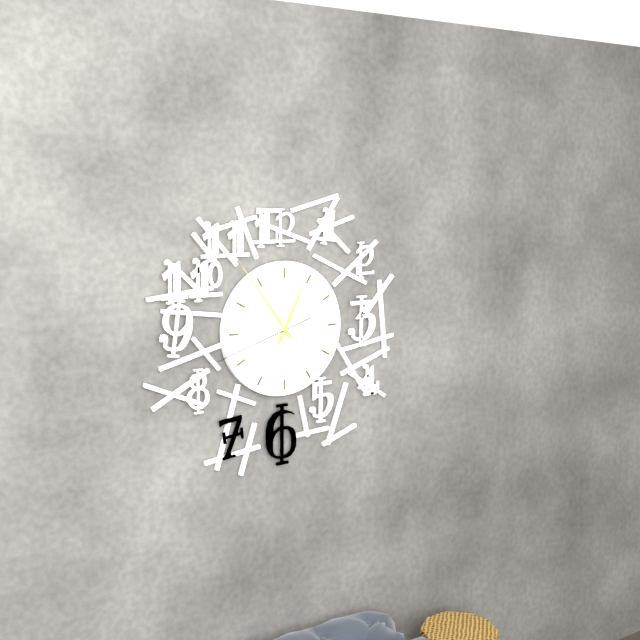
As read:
12:54:42
